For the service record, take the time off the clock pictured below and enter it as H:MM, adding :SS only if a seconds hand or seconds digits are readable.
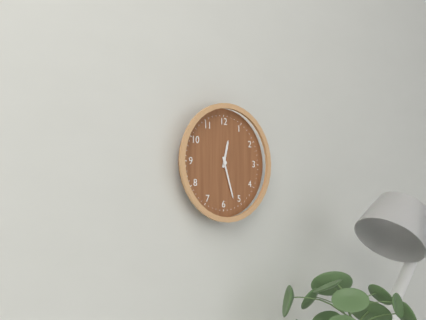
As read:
12:27
